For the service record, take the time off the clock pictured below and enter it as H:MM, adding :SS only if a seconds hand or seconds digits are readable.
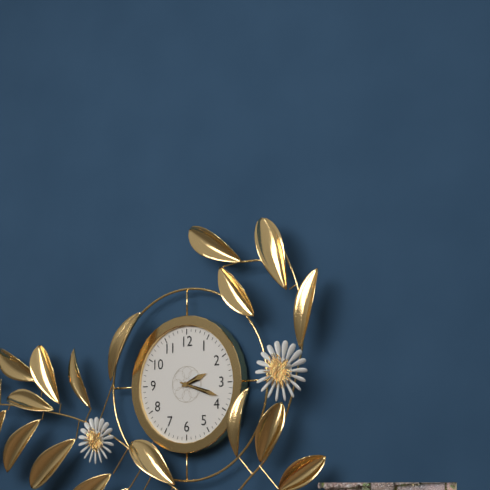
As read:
2:18
